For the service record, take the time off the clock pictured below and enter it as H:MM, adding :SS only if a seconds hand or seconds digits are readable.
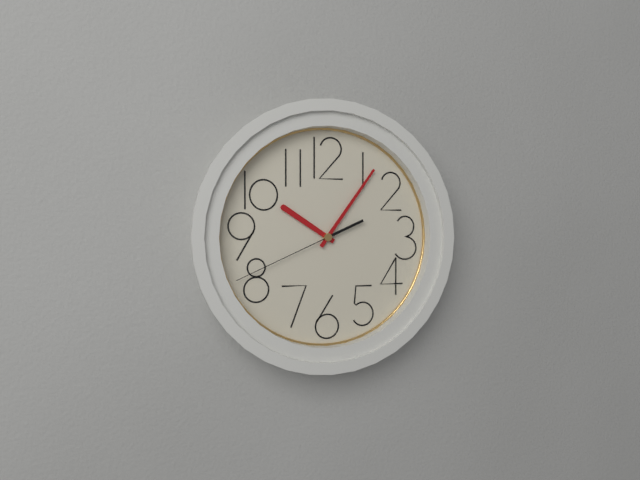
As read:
10:06:41
